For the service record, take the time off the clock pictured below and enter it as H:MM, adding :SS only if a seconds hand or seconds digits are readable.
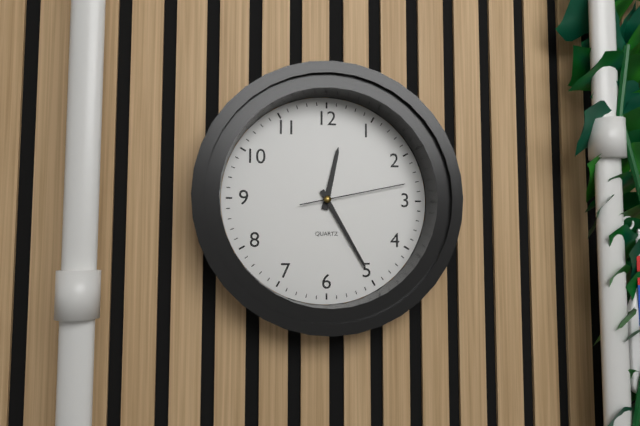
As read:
12:25:13
